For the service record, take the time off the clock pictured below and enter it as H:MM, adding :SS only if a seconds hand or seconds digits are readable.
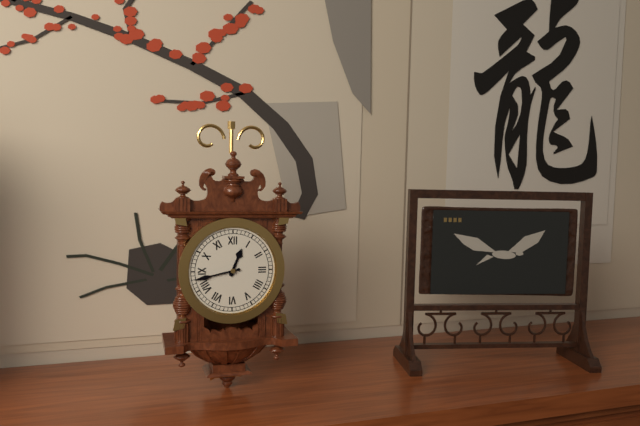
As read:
12:43
